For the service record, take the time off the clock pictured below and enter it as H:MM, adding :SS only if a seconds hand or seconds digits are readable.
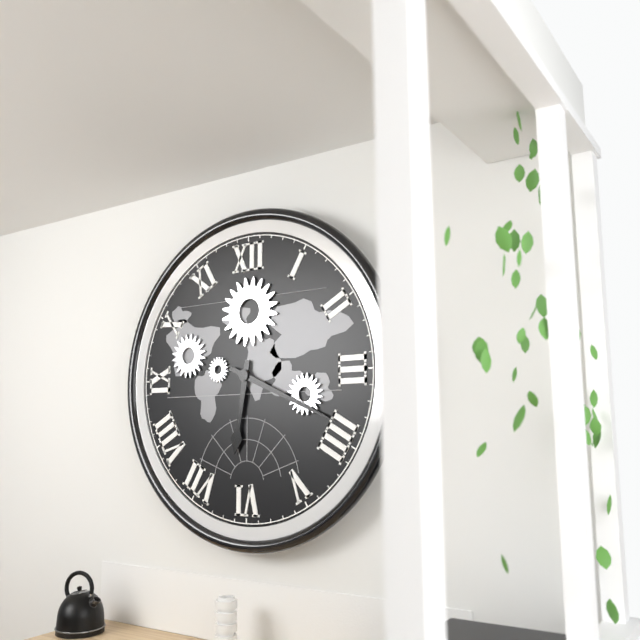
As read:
6:19
